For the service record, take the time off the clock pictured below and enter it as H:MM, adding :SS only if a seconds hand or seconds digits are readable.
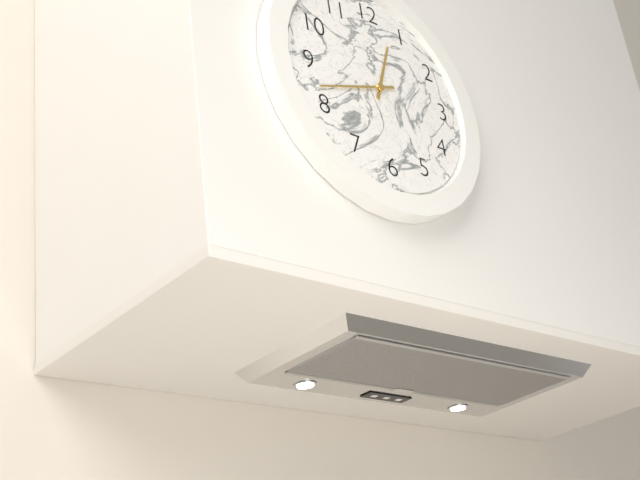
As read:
12:42
